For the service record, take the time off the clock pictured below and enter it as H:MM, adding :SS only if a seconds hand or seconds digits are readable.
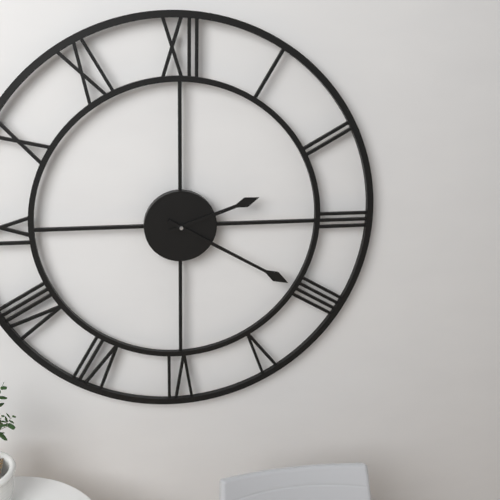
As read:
2:20
